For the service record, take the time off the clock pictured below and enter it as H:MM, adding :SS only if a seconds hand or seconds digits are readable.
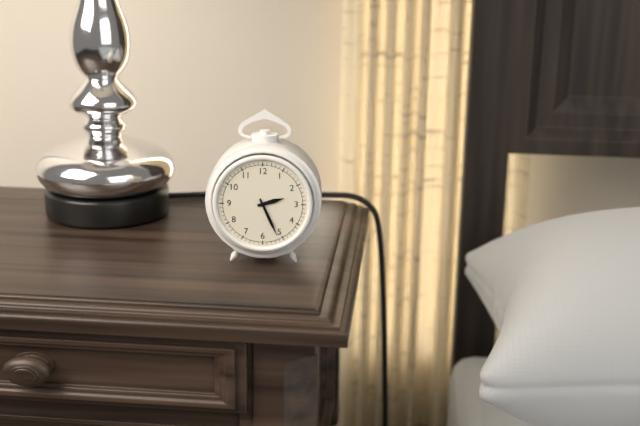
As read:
2:26
